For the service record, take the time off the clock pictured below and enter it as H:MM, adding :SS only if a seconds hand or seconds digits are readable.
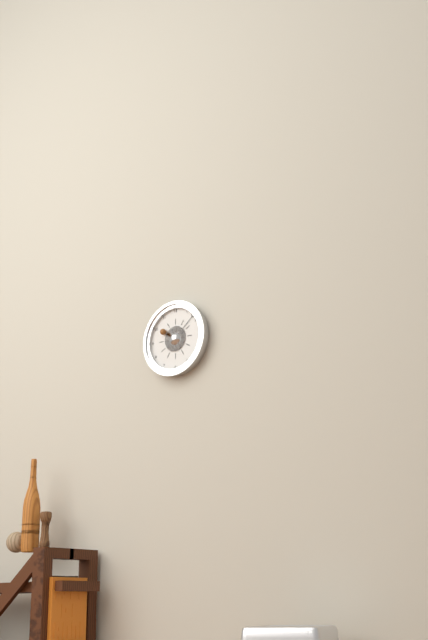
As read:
10:08
